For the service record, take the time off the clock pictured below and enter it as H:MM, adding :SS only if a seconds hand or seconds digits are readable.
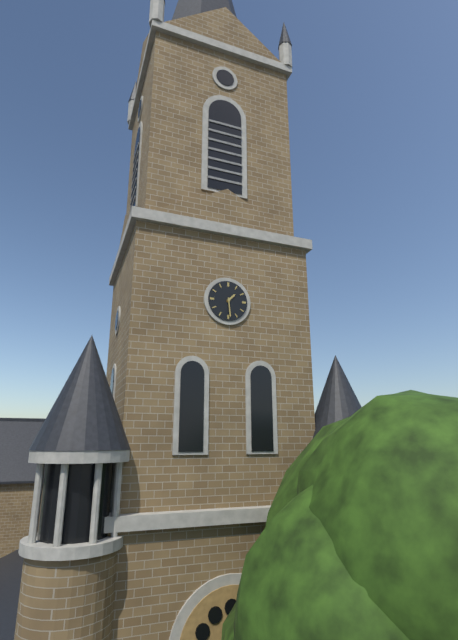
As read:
1:29
